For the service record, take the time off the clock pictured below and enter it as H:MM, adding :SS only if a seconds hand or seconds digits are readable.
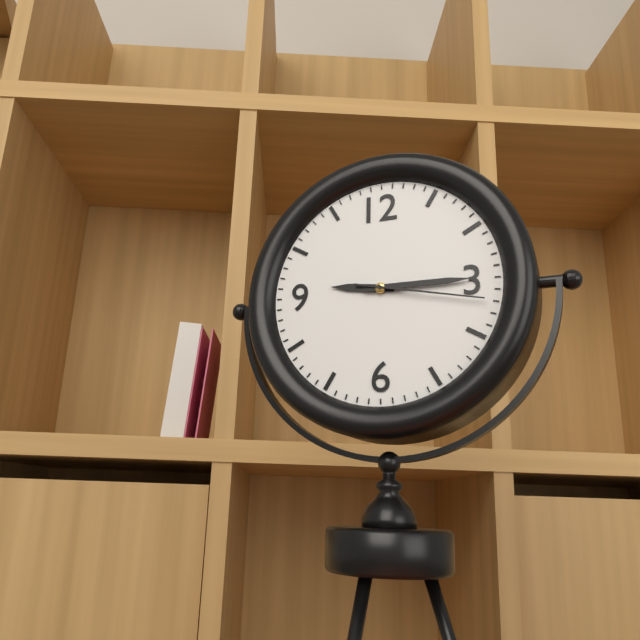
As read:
9:15:17
